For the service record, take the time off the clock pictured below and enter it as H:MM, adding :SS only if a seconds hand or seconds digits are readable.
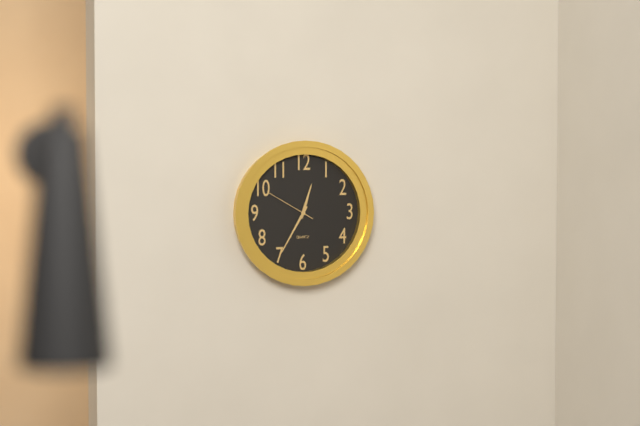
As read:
12:35:50
